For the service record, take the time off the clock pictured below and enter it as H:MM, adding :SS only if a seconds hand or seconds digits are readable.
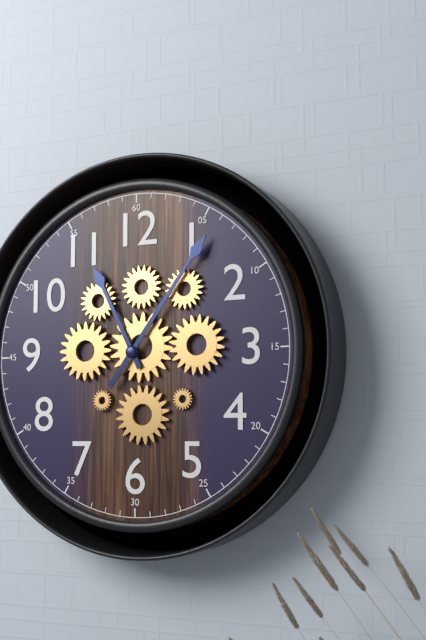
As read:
11:06
